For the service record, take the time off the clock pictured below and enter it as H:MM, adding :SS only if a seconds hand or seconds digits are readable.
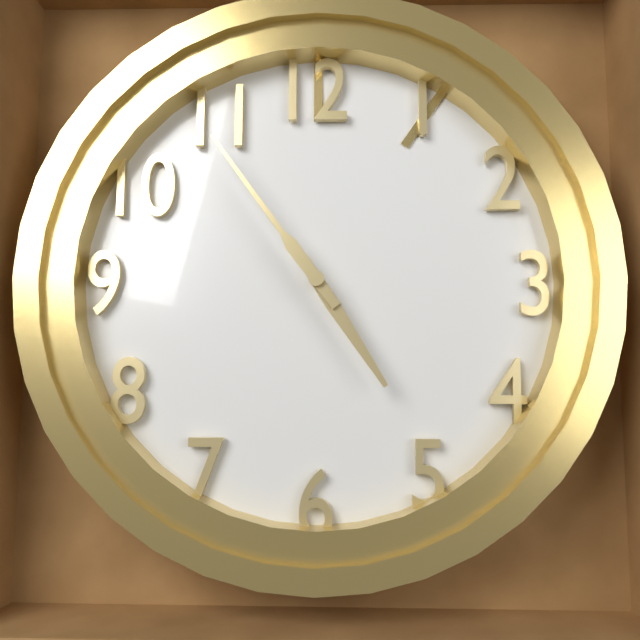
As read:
4:54
